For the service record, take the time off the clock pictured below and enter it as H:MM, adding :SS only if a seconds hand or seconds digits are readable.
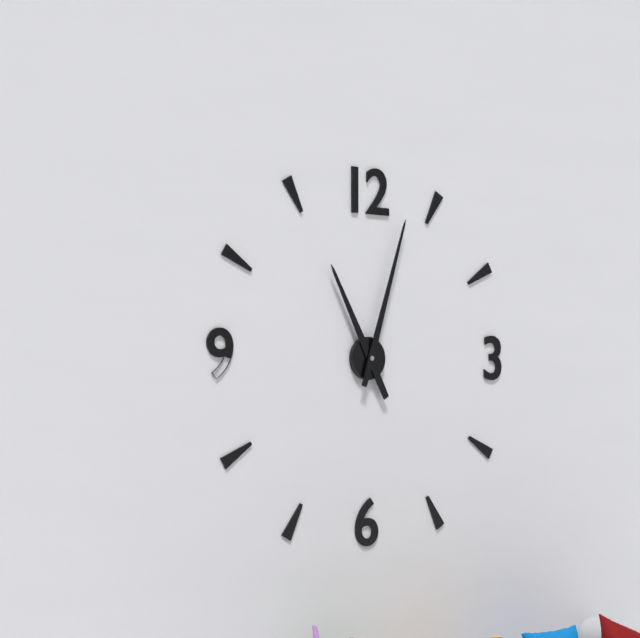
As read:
11:03
